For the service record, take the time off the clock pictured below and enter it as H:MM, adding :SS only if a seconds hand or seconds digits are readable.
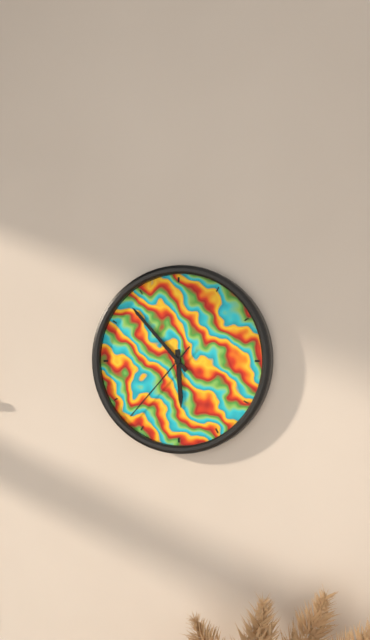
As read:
5:53:37
